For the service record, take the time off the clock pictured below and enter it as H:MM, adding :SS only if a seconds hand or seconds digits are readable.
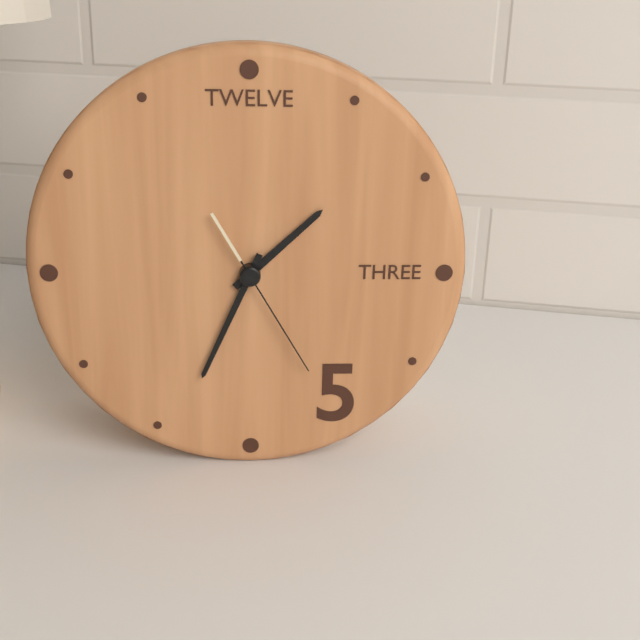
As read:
1:34:25
